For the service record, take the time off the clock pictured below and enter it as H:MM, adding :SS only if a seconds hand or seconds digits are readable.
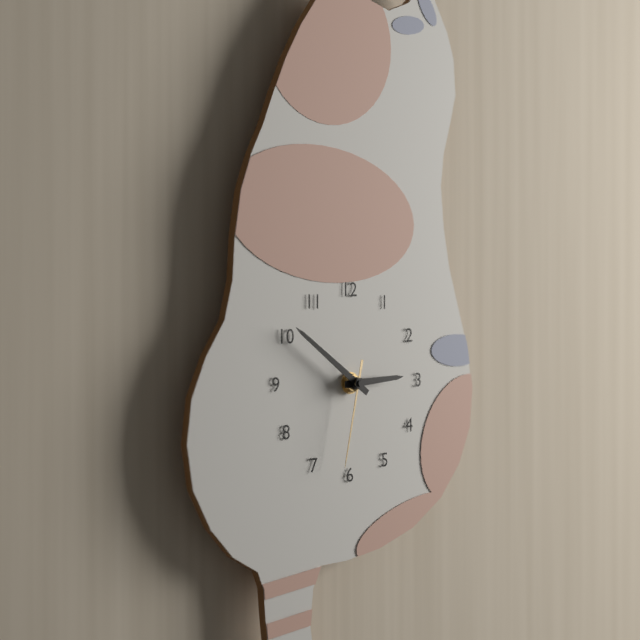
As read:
2:51:32
